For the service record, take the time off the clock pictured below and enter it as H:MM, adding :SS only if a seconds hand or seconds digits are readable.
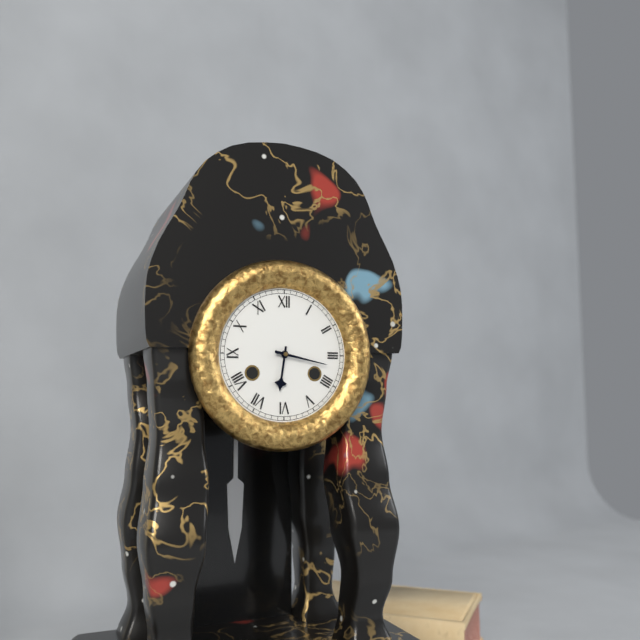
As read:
6:17
